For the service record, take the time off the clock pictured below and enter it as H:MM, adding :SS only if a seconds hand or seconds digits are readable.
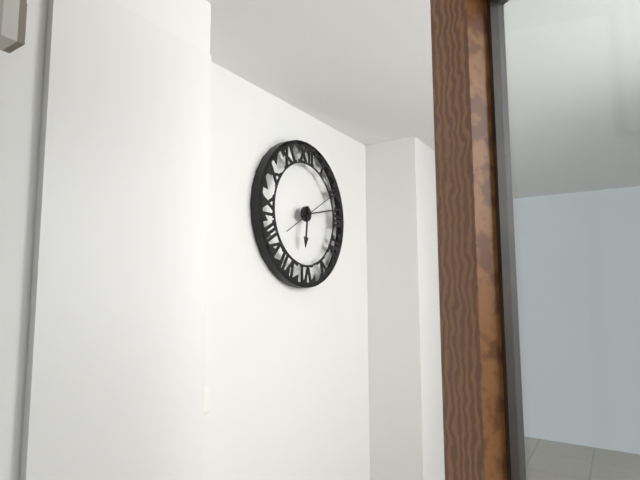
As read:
6:13
